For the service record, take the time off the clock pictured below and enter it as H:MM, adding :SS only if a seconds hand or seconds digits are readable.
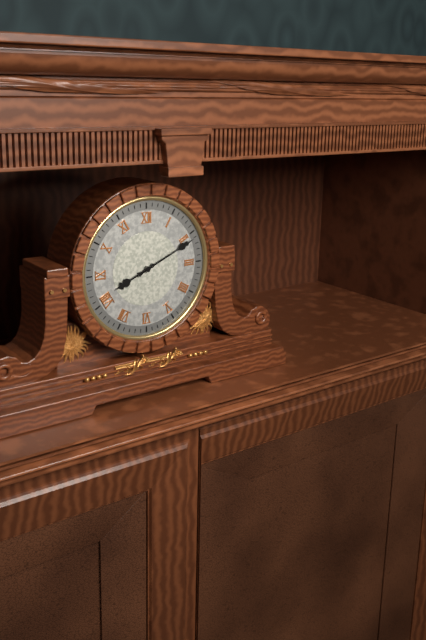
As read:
8:11
